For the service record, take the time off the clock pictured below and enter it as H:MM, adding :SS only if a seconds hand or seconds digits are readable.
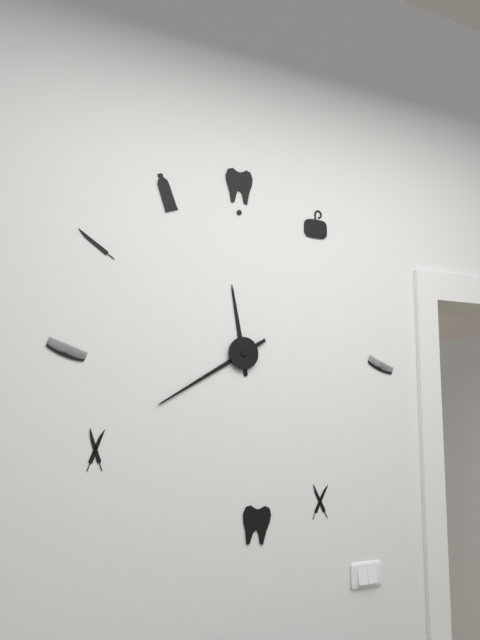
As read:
11:40
